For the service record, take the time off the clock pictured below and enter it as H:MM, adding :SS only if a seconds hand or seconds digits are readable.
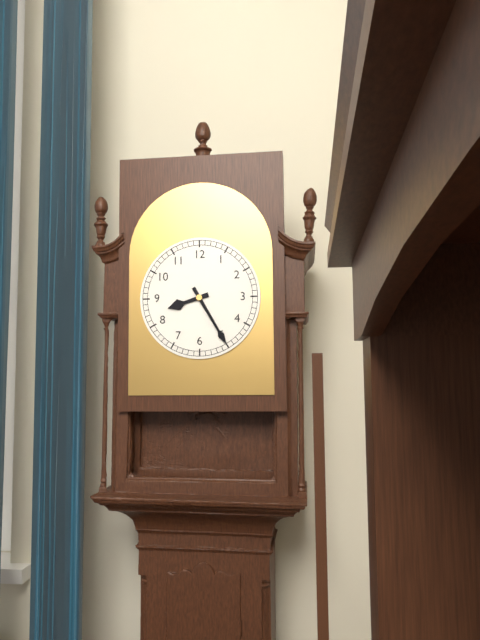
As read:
8:25
